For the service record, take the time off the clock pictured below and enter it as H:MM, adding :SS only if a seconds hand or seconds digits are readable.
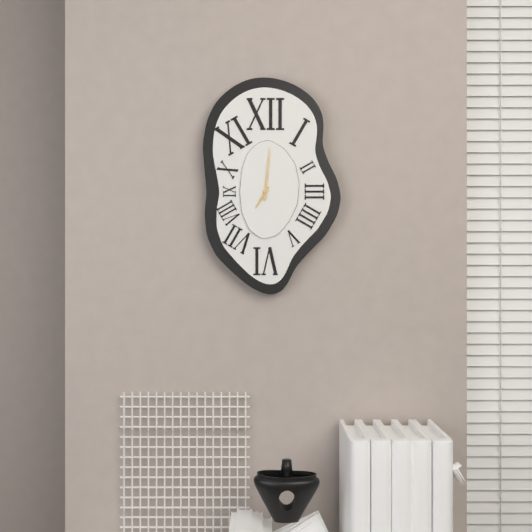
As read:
7:01
